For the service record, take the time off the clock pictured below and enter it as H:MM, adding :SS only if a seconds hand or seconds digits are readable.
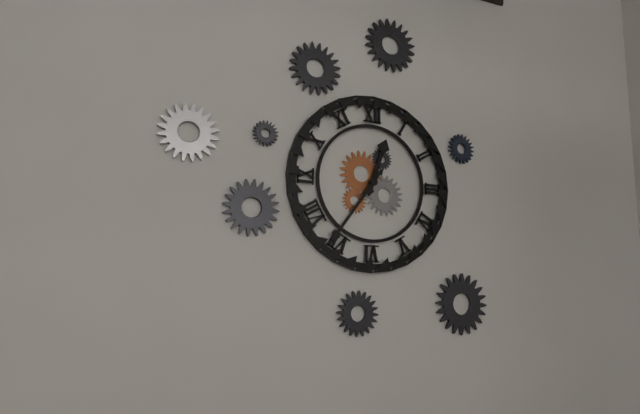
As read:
12:36
